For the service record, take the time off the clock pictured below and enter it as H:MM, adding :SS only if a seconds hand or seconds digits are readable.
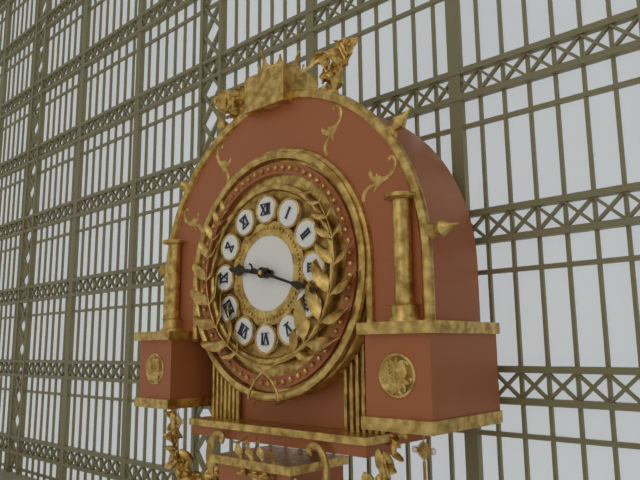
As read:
9:18
